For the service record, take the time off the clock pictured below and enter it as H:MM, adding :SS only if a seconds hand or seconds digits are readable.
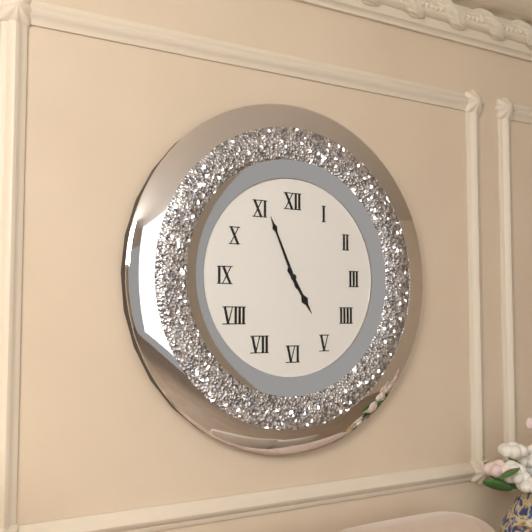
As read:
4:56
